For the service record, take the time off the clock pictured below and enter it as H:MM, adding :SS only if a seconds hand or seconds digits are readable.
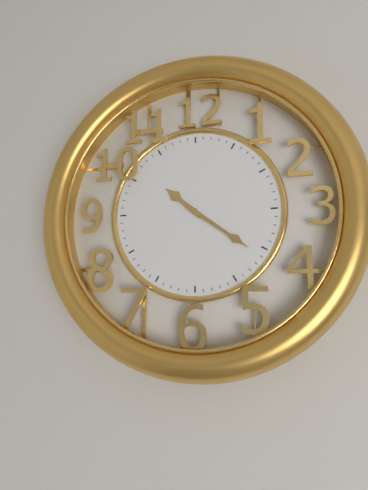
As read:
10:21
